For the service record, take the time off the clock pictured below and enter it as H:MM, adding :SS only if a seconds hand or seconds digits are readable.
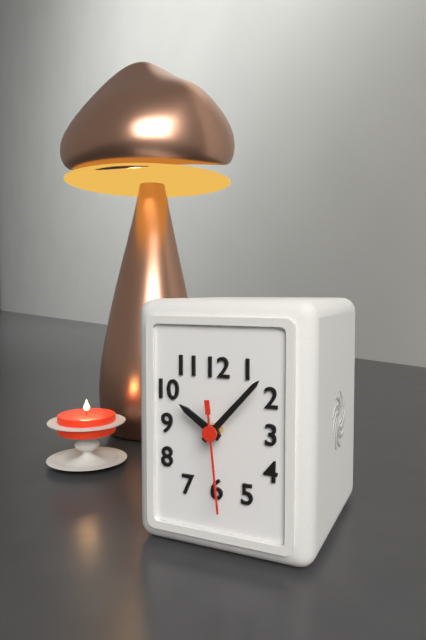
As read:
10:07:29
